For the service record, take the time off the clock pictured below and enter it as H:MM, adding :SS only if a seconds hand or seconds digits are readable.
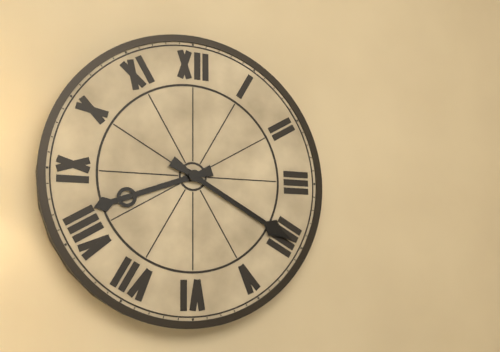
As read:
8:20
